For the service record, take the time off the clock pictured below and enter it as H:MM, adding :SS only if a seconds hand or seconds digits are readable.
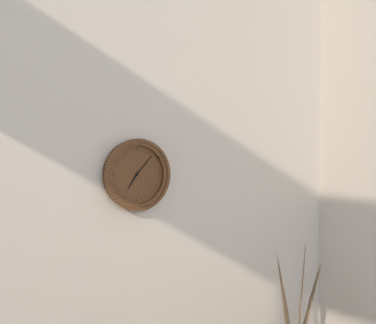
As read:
7:07
